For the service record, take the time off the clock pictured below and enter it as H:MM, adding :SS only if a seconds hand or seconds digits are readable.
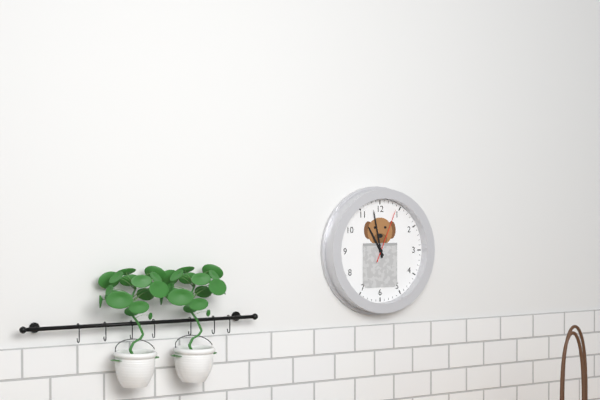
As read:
10:58:04
